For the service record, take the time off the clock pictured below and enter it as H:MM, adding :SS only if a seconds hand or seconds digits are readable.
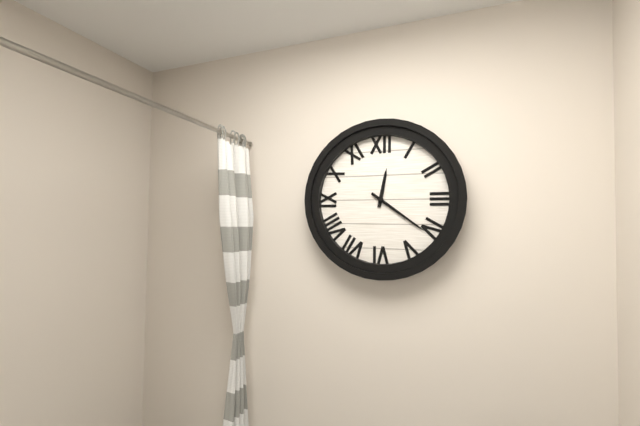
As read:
12:21
